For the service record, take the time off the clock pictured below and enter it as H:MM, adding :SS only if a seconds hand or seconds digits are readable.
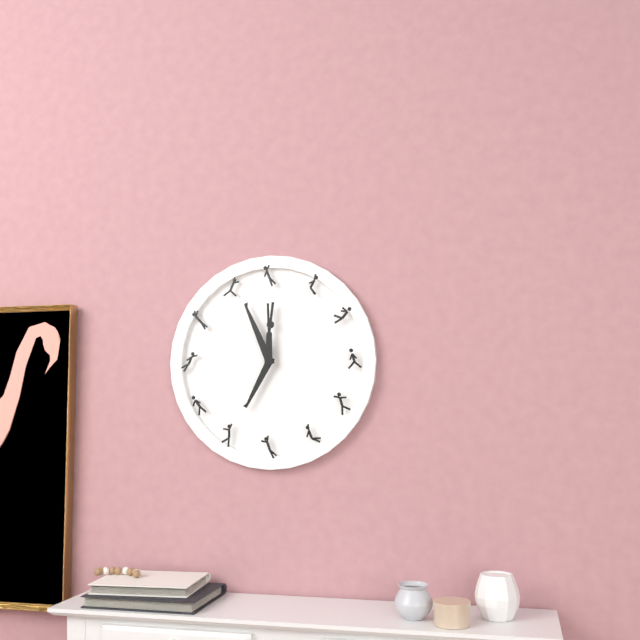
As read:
6:56
